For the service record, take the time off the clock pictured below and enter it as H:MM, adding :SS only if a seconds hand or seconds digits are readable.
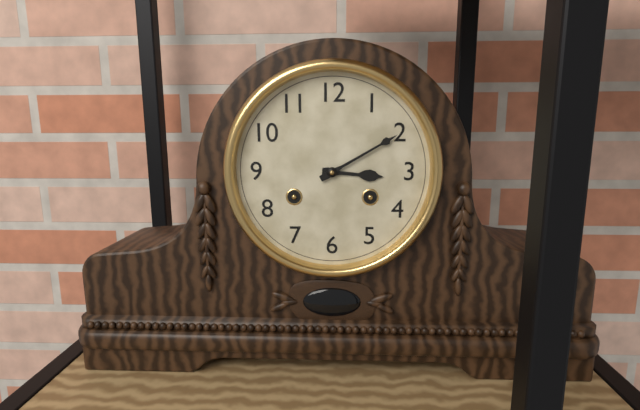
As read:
3:10
